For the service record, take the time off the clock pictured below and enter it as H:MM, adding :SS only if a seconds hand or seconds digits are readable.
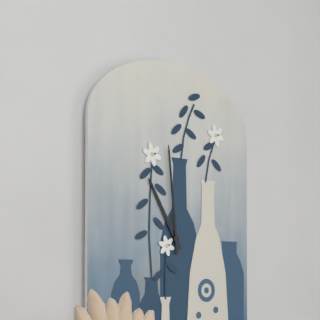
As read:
10:59
